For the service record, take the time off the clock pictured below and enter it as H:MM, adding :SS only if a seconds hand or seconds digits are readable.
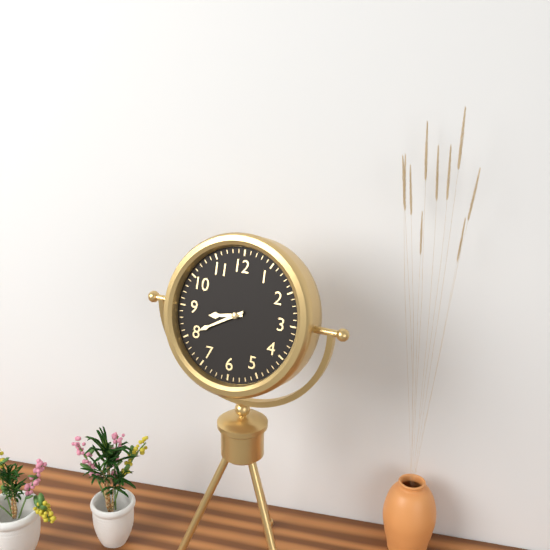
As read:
8:40
